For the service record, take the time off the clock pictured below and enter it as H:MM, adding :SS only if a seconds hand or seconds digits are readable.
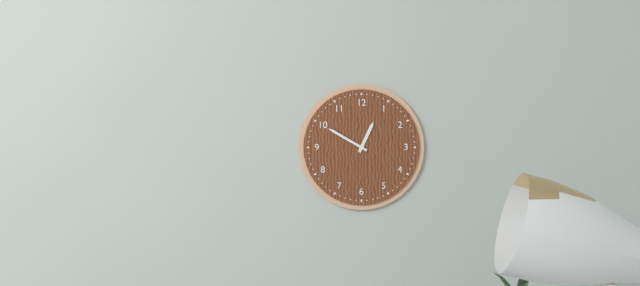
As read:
12:50
